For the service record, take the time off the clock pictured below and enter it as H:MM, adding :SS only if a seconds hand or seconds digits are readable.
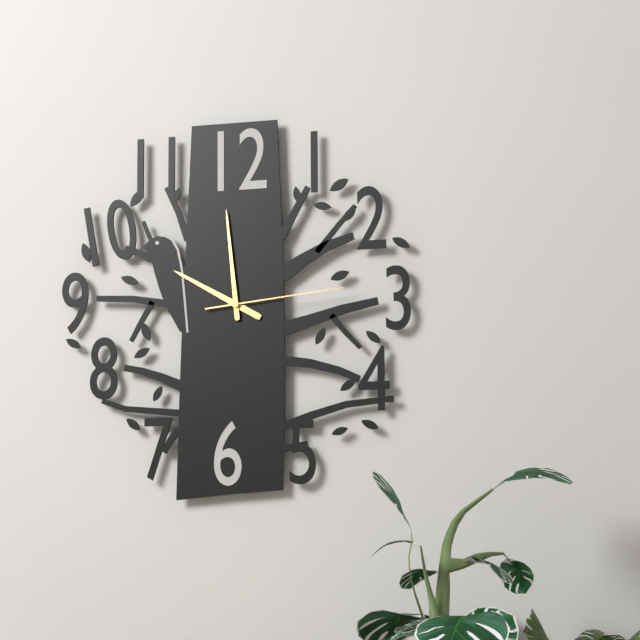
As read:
9:59:14
